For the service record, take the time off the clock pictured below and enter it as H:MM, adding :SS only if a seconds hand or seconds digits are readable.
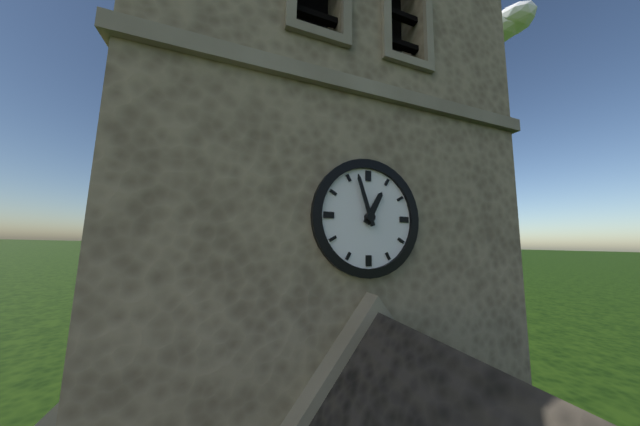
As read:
12:57
